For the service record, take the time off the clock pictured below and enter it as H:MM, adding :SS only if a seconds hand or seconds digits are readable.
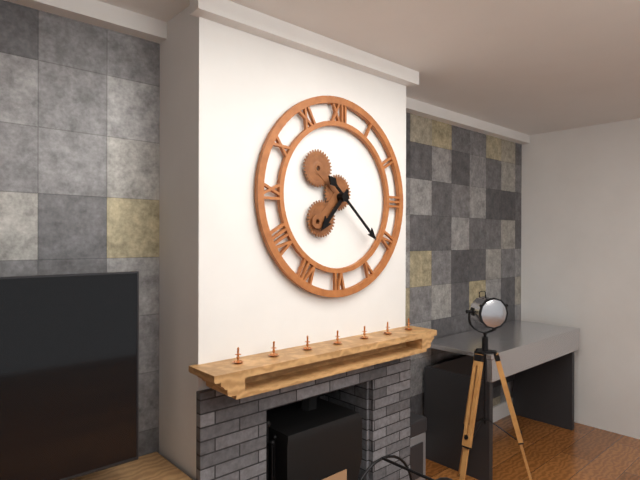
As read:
7:22
